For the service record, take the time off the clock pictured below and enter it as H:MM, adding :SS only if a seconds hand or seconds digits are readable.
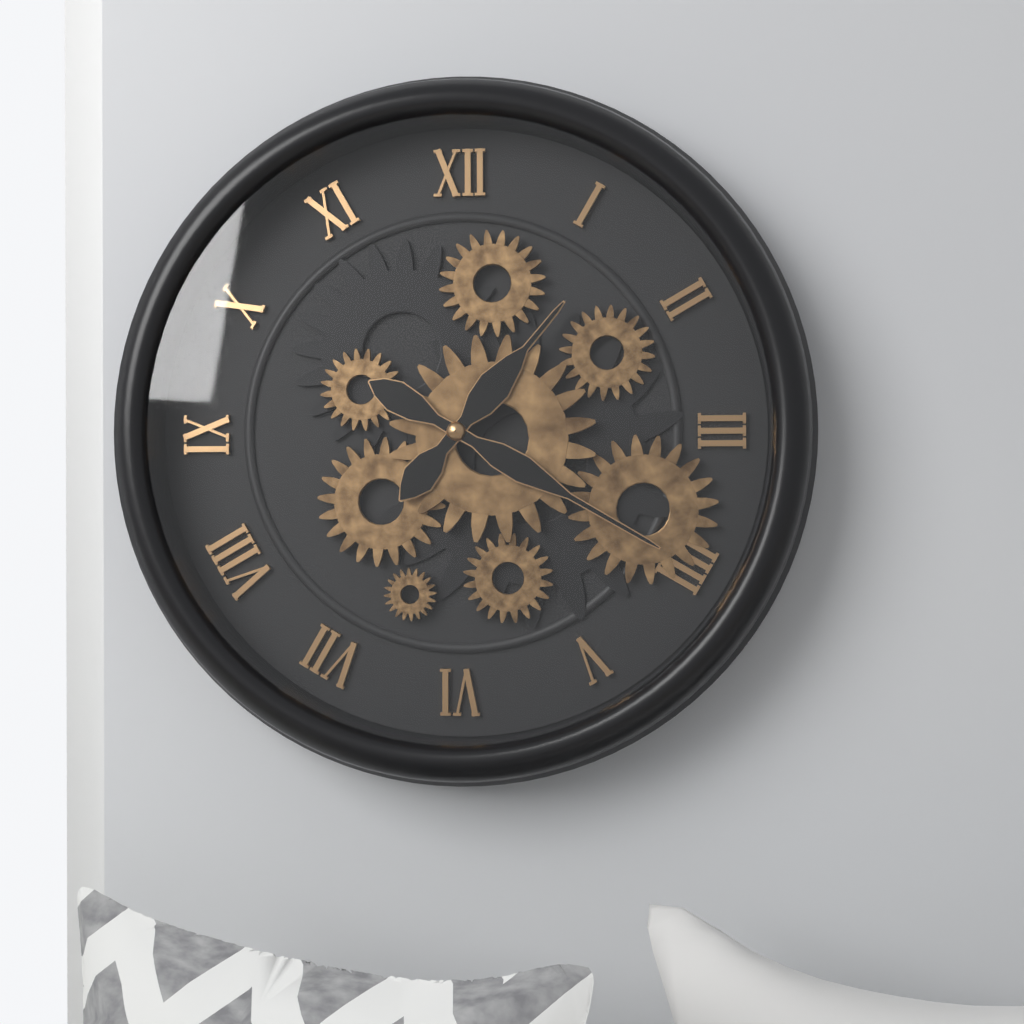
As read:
1:20
